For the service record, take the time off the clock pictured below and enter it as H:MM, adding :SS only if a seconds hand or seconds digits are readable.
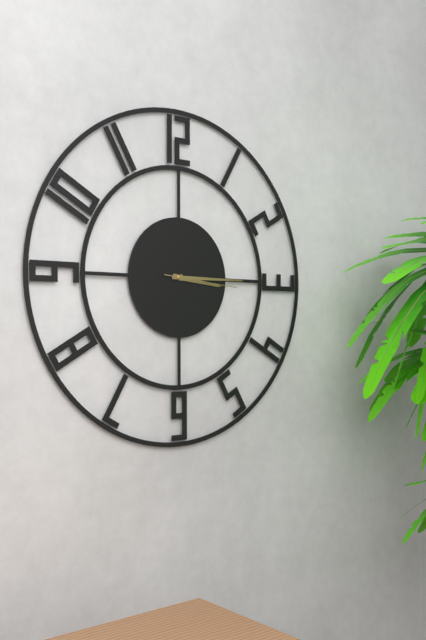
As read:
3:15:16
